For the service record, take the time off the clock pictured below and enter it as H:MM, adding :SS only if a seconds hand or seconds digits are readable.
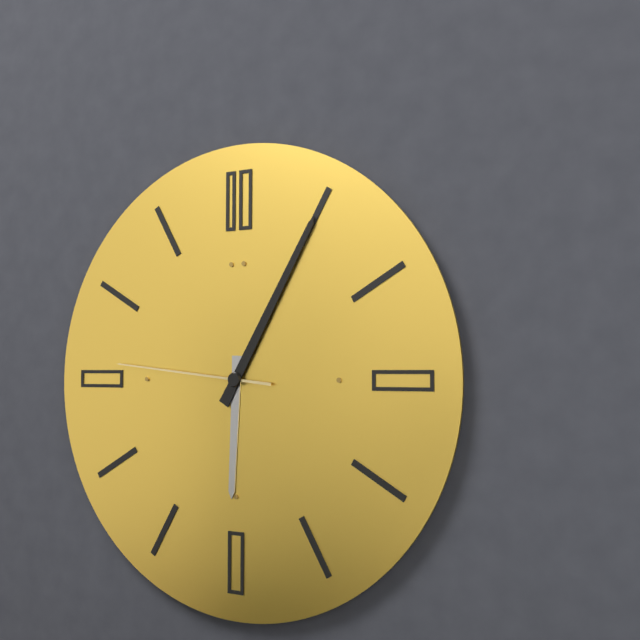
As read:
6:05:46
